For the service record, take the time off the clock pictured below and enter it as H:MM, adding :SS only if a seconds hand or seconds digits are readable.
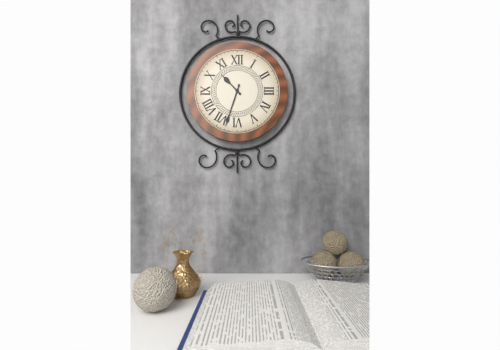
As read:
10:33
